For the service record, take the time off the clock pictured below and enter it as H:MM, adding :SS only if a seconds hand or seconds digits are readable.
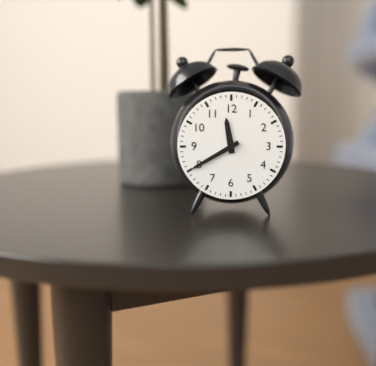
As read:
11:40
